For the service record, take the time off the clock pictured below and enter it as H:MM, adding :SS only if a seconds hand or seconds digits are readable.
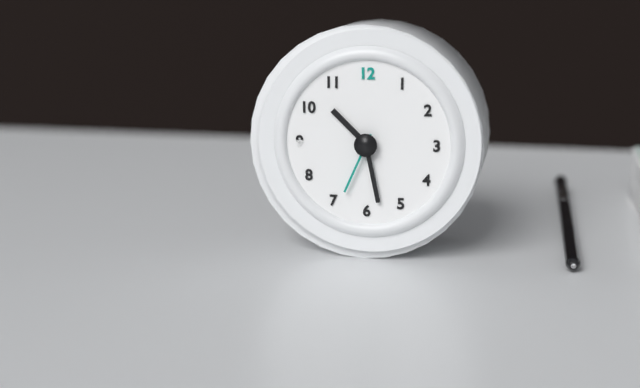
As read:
10:28:34
